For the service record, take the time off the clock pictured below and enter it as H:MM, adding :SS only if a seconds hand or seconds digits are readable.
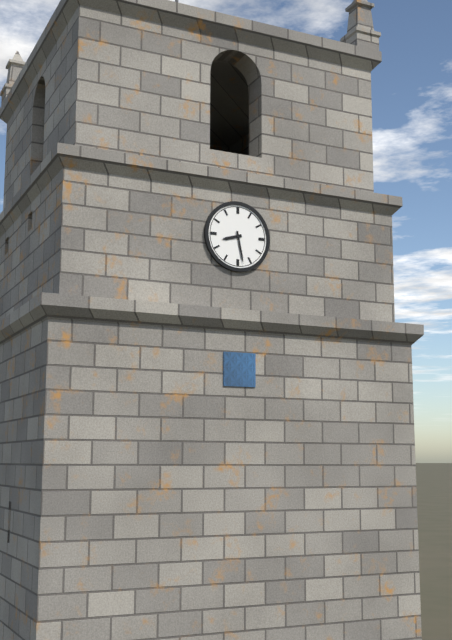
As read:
8:28
